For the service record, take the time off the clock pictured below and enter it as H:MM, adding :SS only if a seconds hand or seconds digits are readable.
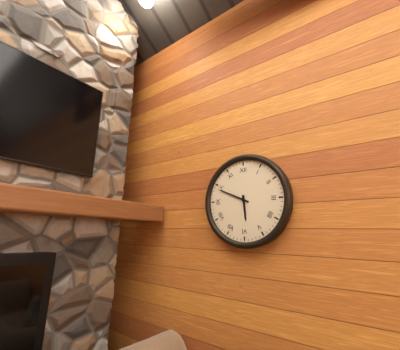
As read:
5:49
